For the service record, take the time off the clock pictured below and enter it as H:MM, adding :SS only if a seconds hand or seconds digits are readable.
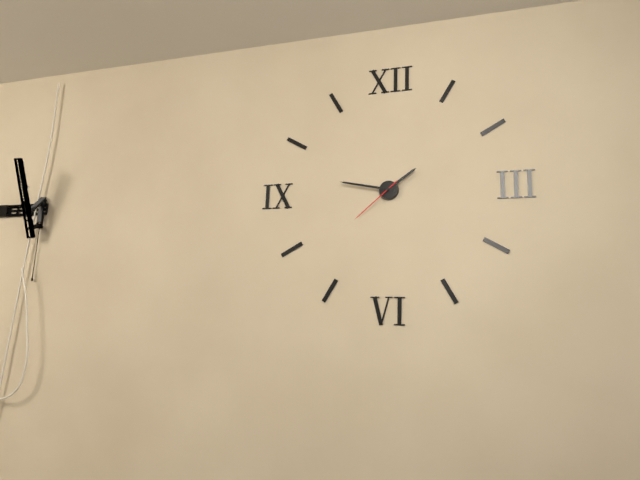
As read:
1:47:38
